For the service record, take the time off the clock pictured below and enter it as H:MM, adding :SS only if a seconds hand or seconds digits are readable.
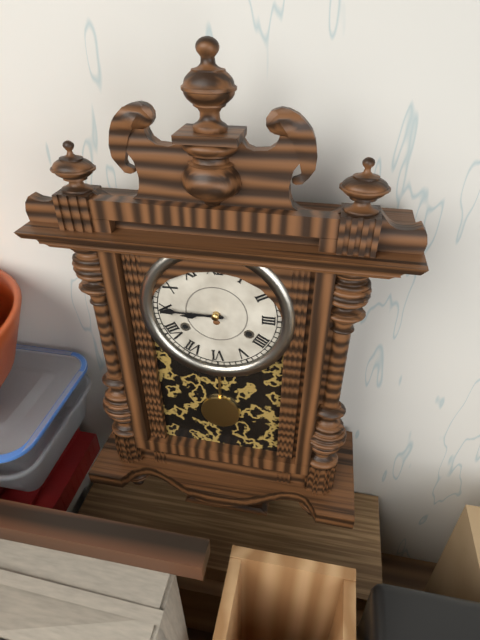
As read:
8:45
